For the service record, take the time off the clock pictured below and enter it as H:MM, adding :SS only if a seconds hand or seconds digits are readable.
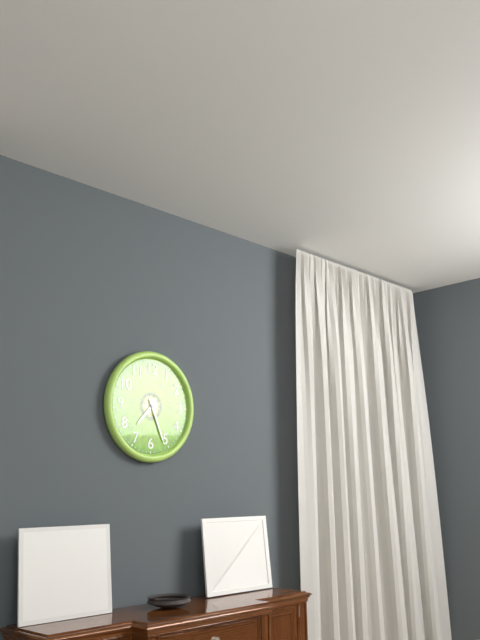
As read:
7:26
